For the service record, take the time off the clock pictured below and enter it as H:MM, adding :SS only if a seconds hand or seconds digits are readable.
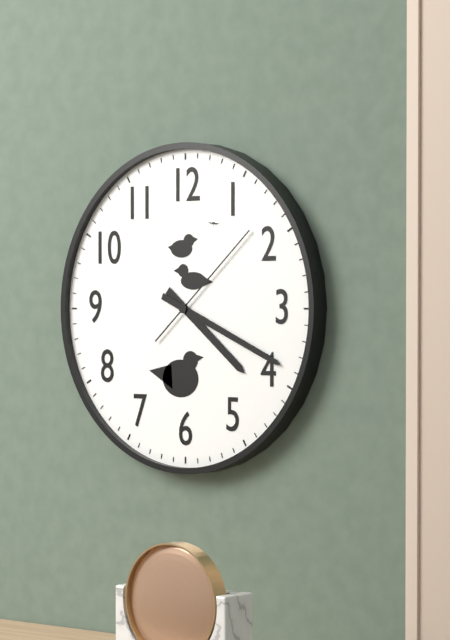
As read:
4:19:08
